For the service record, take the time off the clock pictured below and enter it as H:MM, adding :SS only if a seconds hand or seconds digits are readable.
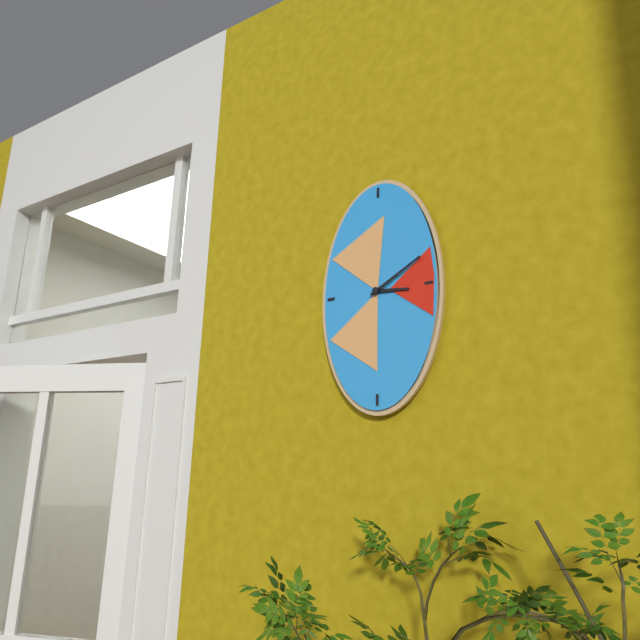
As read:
3:10
